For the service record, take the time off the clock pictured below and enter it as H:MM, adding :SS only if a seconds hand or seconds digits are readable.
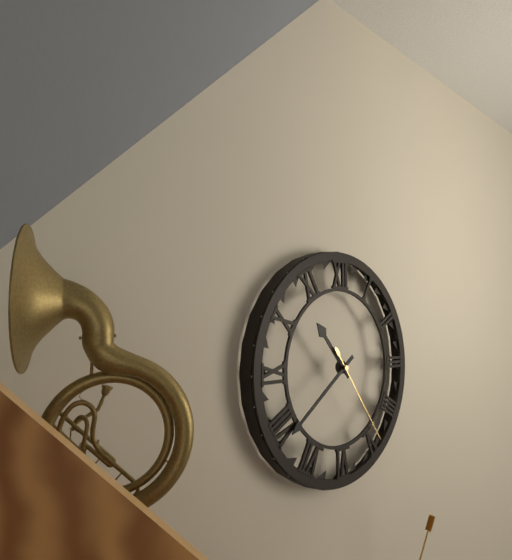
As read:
10:39:24
